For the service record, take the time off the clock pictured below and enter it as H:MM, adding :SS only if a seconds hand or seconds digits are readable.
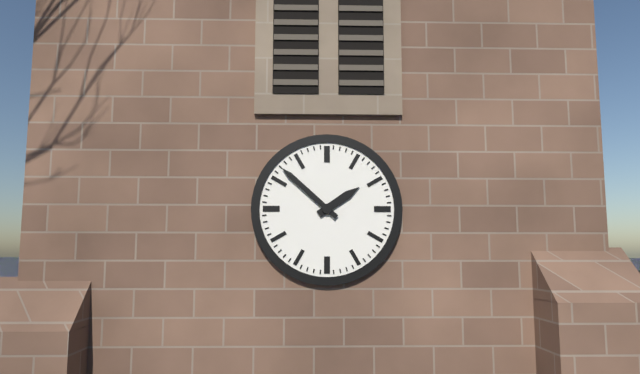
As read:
1:52
